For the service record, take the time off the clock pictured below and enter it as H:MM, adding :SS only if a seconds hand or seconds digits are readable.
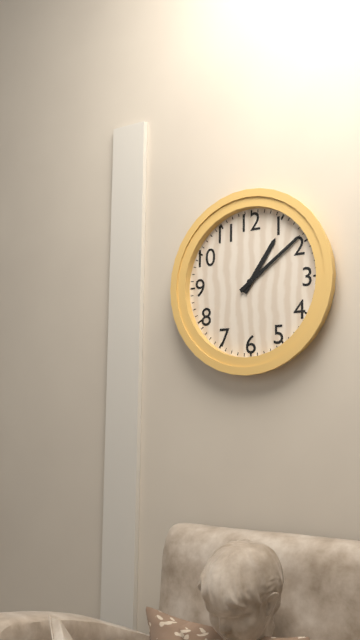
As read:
1:09
